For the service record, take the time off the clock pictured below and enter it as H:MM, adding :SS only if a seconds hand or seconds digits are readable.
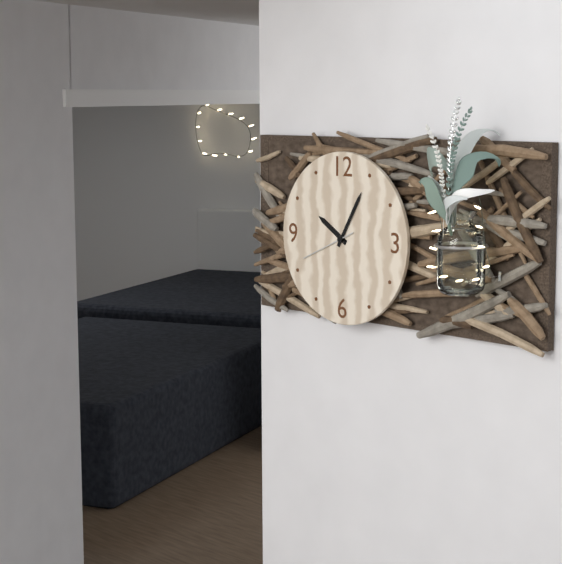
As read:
10:05:41
